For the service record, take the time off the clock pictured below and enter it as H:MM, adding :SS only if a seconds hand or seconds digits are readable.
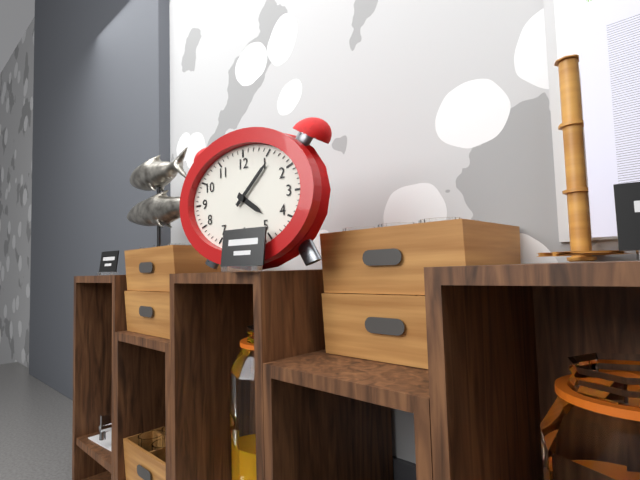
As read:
4:08
